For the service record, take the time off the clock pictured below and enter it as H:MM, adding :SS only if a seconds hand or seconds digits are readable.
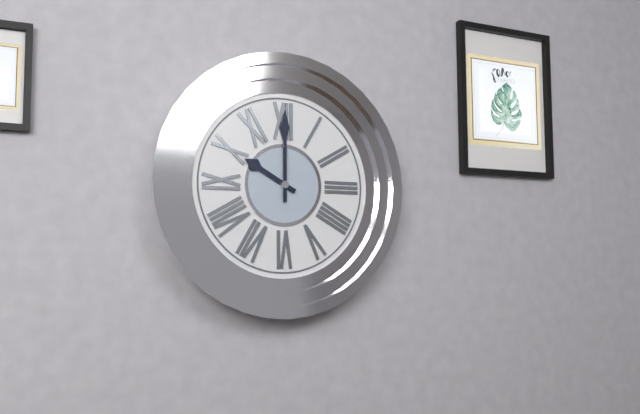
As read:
10:00
